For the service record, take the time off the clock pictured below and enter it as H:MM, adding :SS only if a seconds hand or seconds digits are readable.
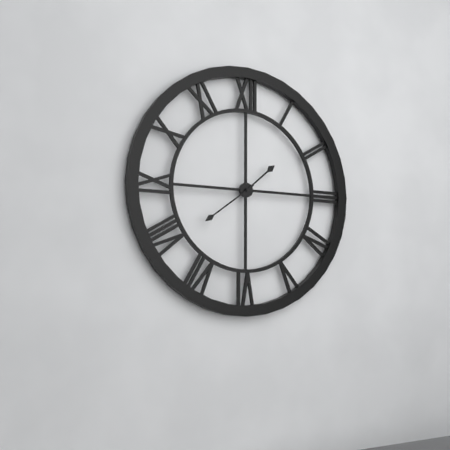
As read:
1:39
